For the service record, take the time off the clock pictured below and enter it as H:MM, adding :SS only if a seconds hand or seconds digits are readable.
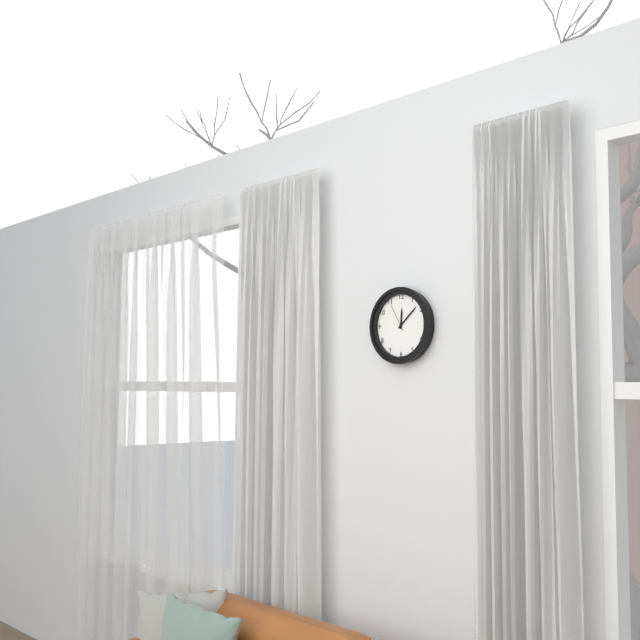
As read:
12:08
